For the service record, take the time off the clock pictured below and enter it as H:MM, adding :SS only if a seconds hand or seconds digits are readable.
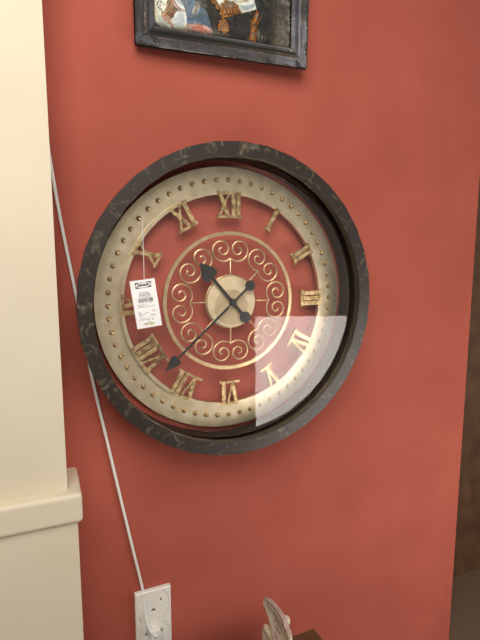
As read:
10:38
